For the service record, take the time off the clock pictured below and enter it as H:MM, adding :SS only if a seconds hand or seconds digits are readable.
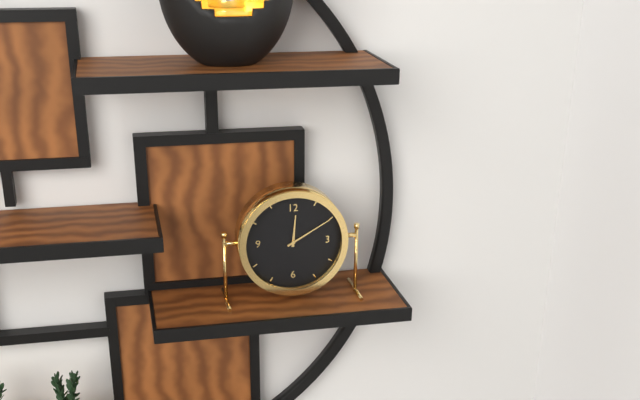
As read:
12:10
